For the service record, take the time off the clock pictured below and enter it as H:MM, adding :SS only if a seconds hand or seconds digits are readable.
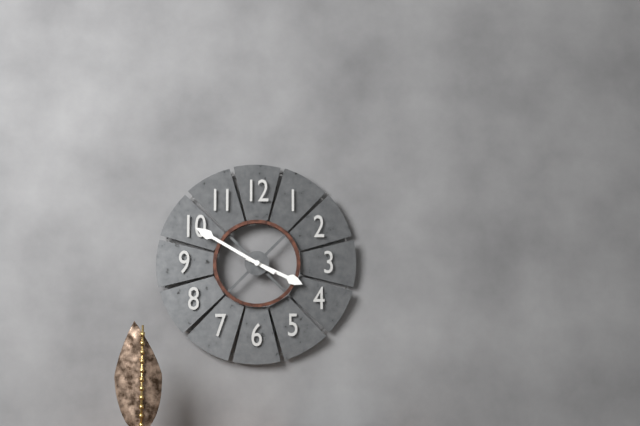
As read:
3:50
